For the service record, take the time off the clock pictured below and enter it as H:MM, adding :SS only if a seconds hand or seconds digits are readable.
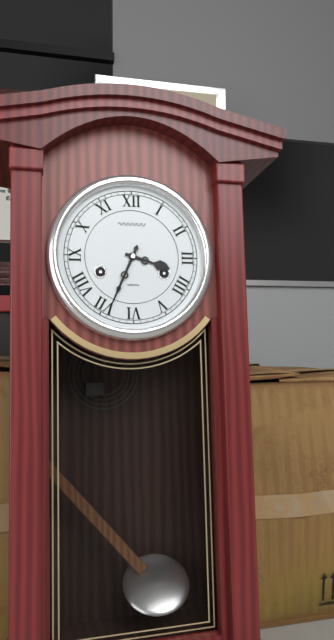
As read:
3:34
